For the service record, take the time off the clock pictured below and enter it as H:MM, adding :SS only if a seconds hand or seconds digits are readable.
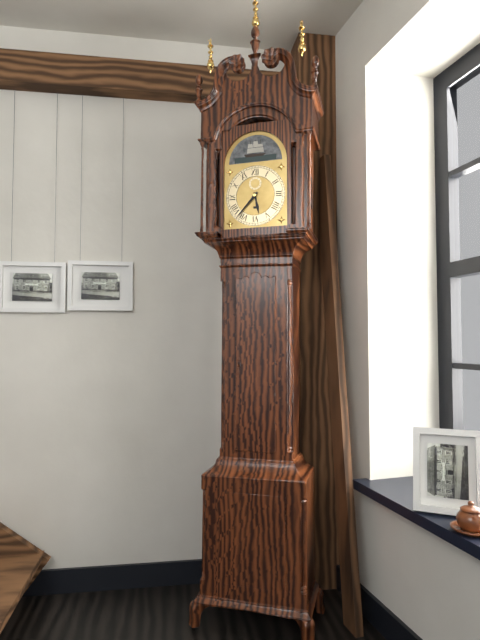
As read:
5:37
